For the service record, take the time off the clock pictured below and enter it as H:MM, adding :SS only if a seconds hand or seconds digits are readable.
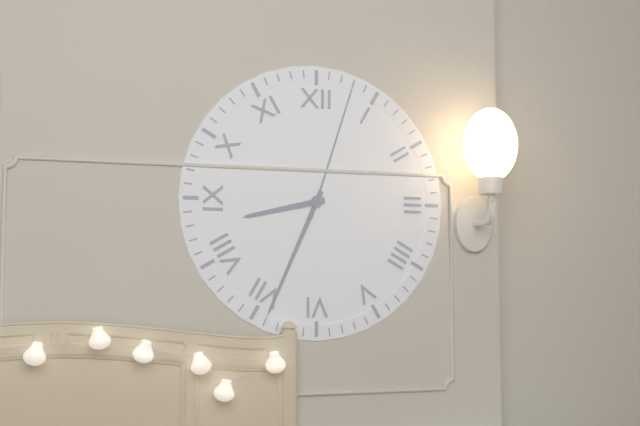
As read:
8:34:03
